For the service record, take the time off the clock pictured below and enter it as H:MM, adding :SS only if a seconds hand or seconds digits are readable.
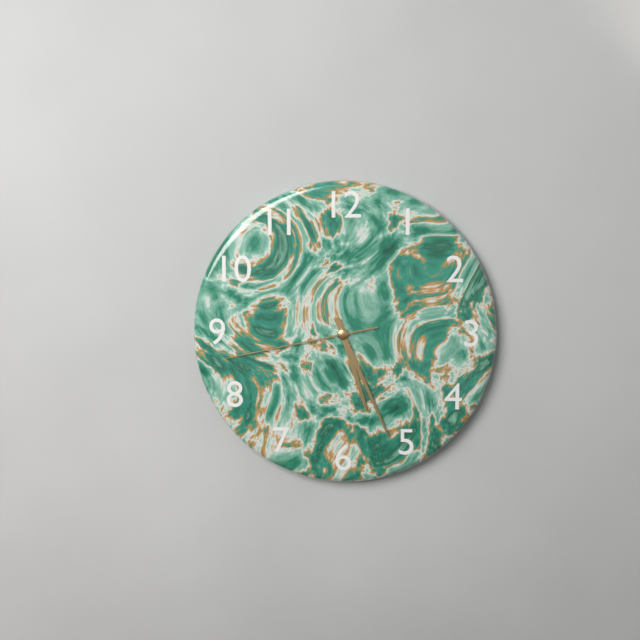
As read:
5:26:43
